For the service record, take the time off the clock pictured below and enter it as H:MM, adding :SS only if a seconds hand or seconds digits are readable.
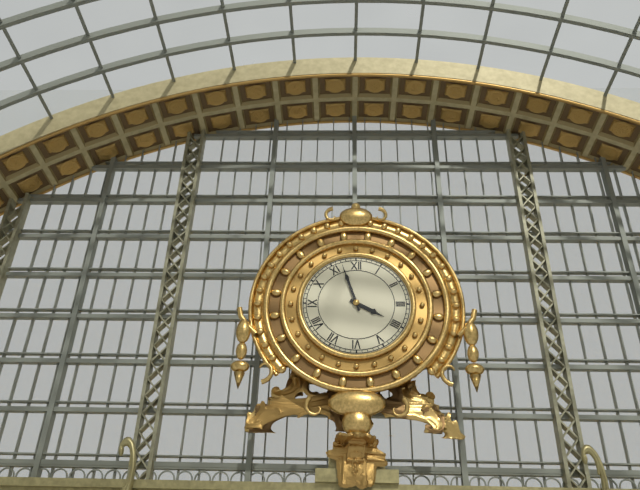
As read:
3:57
